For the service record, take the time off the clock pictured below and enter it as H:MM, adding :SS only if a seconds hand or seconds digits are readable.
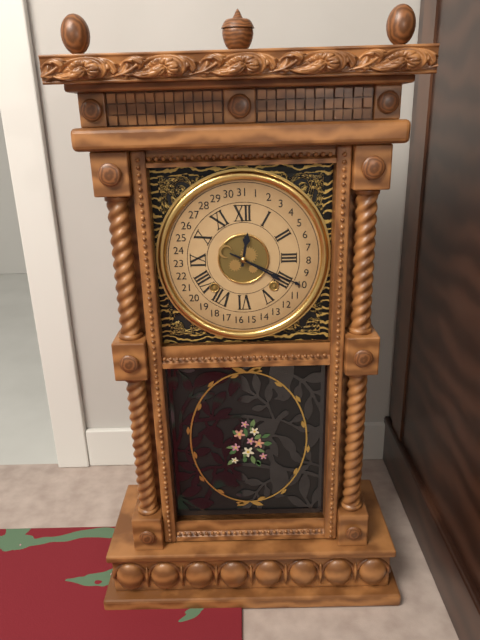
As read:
12:20
